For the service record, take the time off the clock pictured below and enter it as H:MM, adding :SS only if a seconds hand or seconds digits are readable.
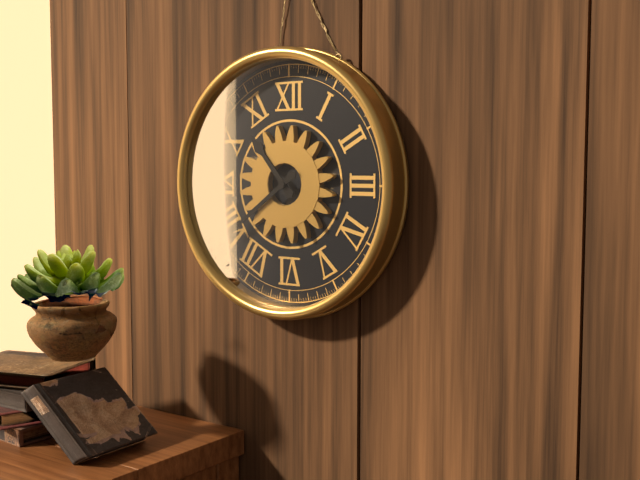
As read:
10:39
